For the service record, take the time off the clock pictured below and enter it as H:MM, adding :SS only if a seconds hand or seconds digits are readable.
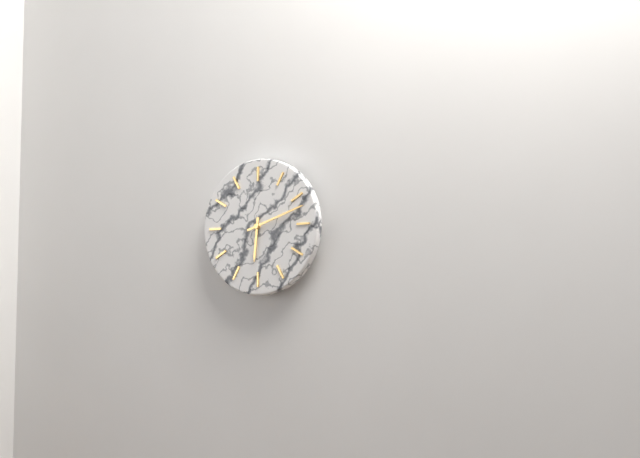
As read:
6:12
